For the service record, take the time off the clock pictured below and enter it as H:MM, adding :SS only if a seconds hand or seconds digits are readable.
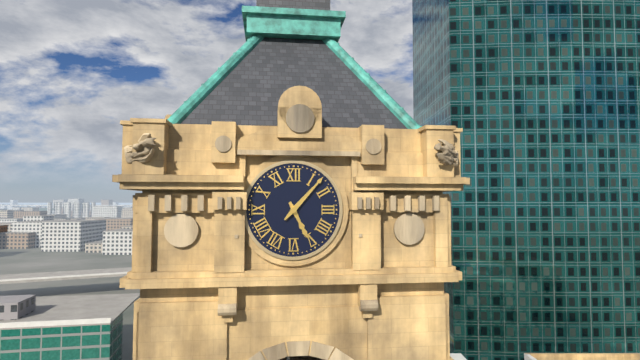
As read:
5:07
